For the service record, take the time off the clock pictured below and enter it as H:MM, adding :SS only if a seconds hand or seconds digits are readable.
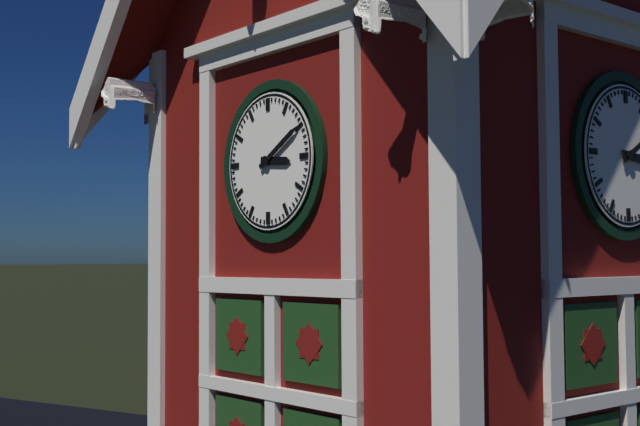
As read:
3:10
